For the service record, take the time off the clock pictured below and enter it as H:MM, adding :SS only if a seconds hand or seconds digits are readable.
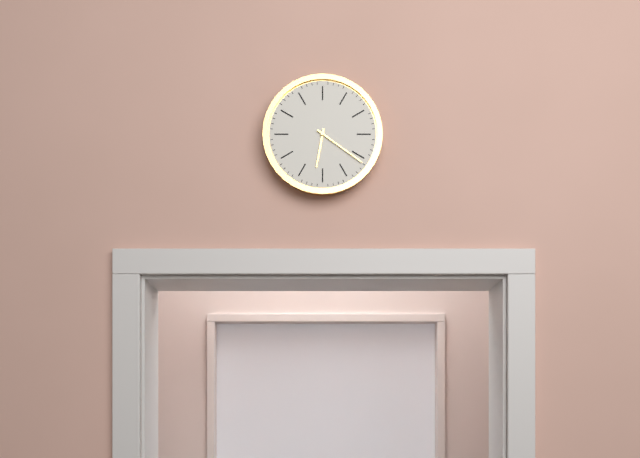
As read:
6:21
